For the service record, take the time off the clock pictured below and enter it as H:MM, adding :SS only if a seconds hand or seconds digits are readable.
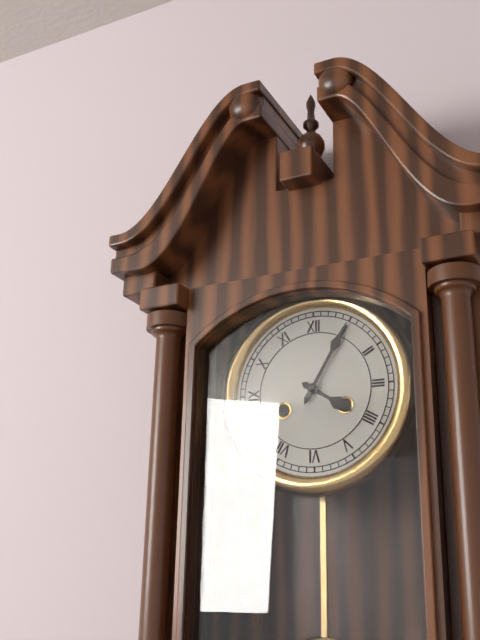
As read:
4:05
